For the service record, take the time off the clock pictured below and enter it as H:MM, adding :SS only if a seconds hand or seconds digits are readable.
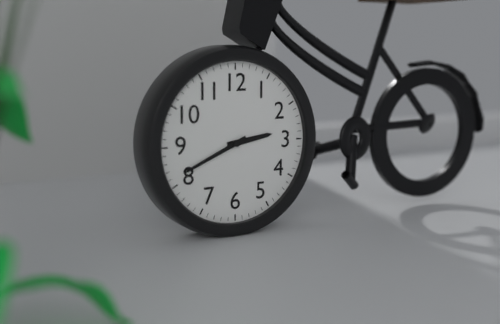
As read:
2:41
